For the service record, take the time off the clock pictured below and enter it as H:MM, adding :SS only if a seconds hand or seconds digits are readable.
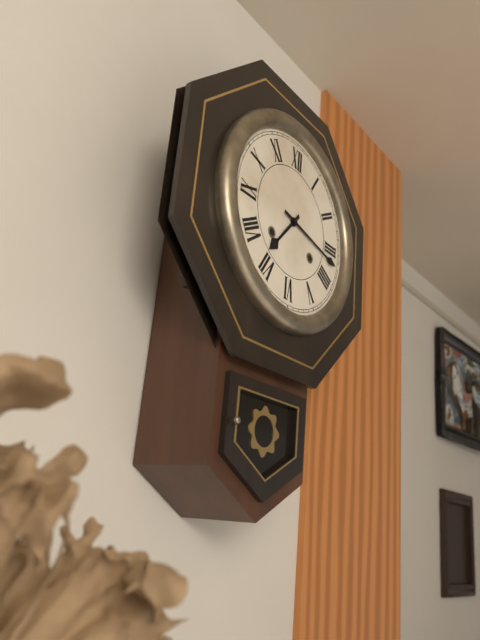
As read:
7:17
